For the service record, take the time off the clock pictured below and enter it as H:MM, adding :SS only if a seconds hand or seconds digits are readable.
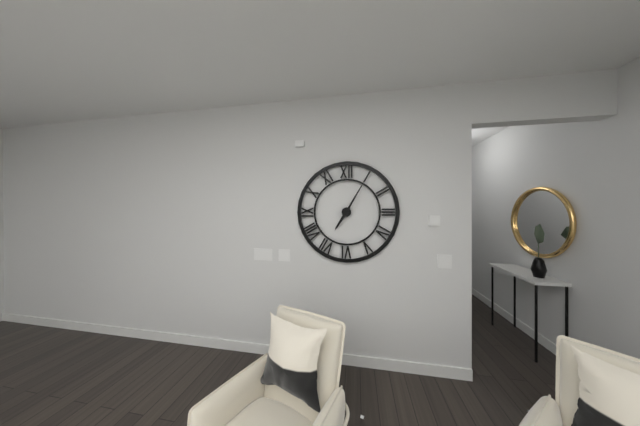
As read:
7:05
